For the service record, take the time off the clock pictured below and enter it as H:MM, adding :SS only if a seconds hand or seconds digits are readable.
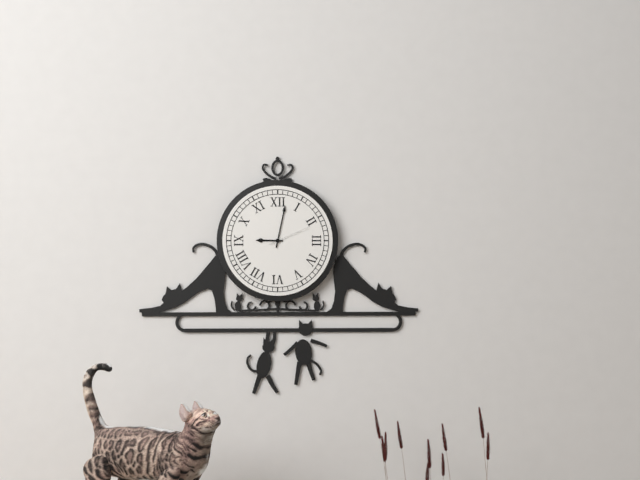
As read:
9:02
